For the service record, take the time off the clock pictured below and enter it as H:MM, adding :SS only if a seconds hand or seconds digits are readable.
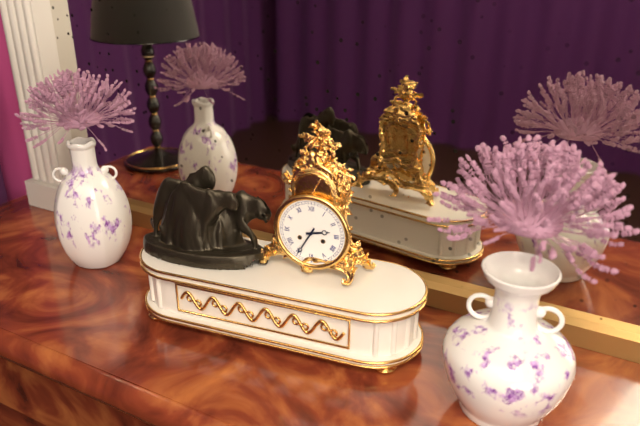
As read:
2:35
